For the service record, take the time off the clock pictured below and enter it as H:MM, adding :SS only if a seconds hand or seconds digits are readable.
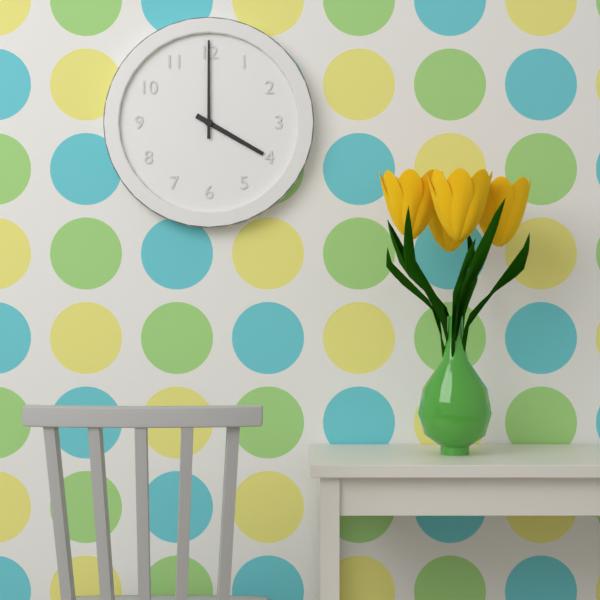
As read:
4:00
